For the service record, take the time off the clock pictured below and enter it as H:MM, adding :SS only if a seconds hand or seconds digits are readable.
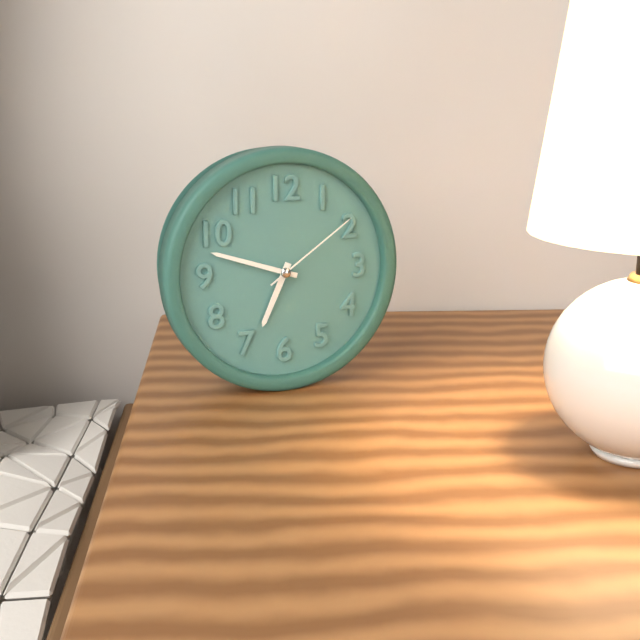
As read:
6:48:09
